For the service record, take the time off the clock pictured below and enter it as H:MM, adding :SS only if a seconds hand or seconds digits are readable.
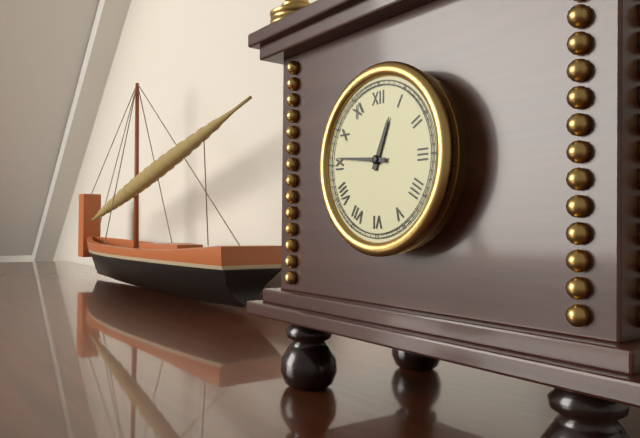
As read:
12:46
